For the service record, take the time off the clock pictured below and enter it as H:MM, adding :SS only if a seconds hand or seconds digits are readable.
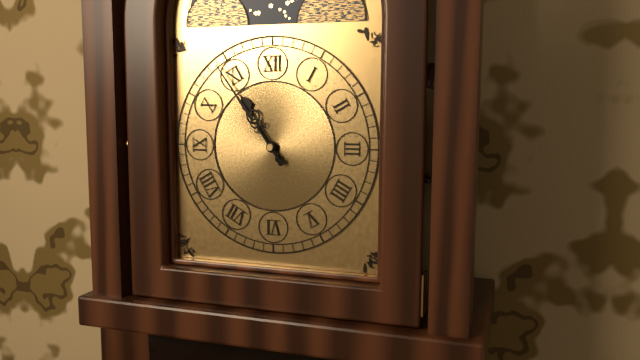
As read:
10:54
